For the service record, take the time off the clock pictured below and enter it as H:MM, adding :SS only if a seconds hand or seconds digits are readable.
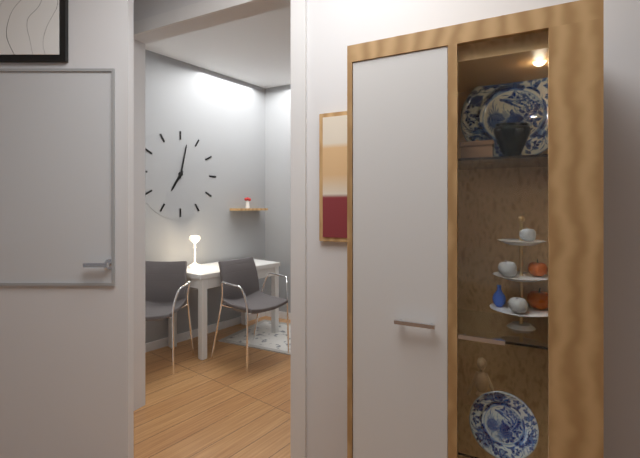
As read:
7:02
